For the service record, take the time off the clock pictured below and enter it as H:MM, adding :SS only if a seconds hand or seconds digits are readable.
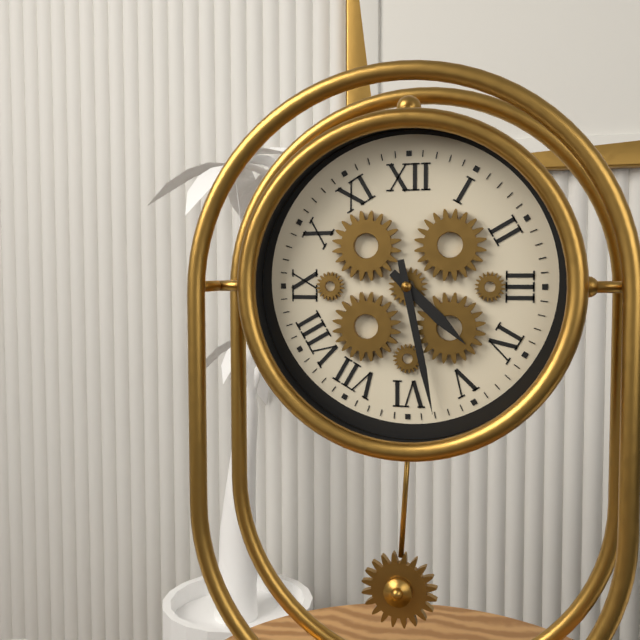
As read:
4:28
